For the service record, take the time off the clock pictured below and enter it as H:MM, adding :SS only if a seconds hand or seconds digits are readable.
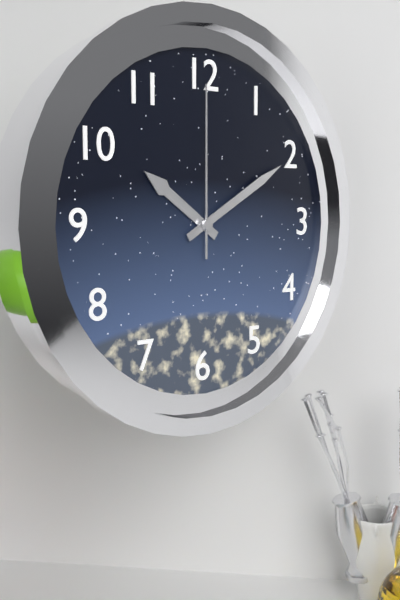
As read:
10:10:00
